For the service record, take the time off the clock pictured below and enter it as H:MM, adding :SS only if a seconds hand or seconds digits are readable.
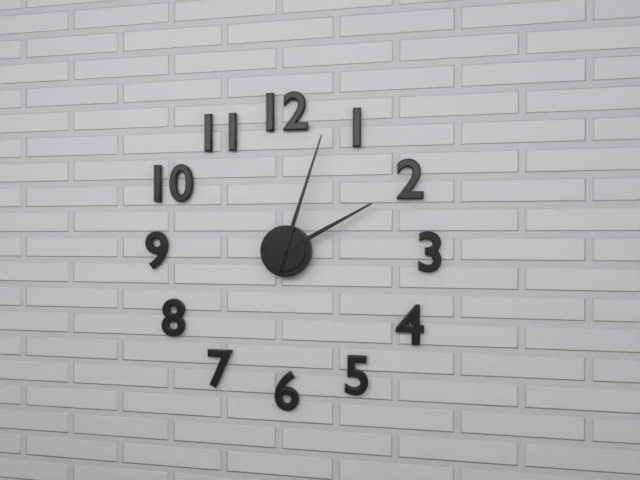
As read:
2:03
